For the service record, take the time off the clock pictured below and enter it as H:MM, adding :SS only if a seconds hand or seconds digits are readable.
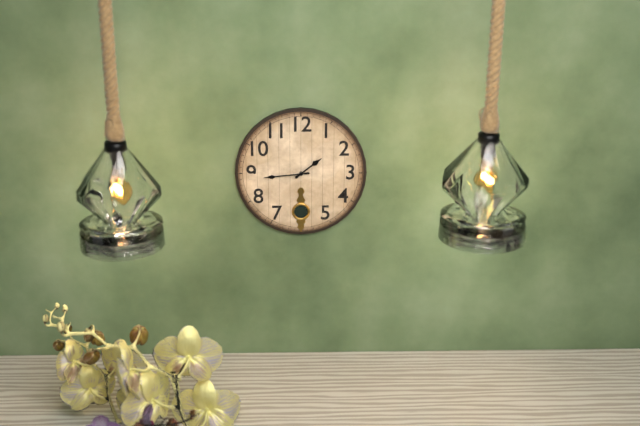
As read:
1:44
